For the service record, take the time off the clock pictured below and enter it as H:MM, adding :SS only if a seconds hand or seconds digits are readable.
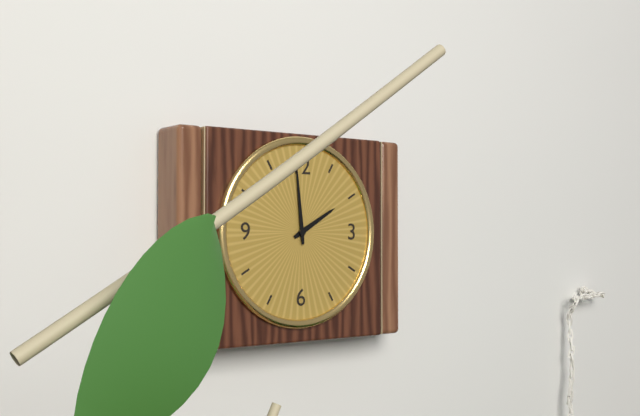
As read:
1:59
